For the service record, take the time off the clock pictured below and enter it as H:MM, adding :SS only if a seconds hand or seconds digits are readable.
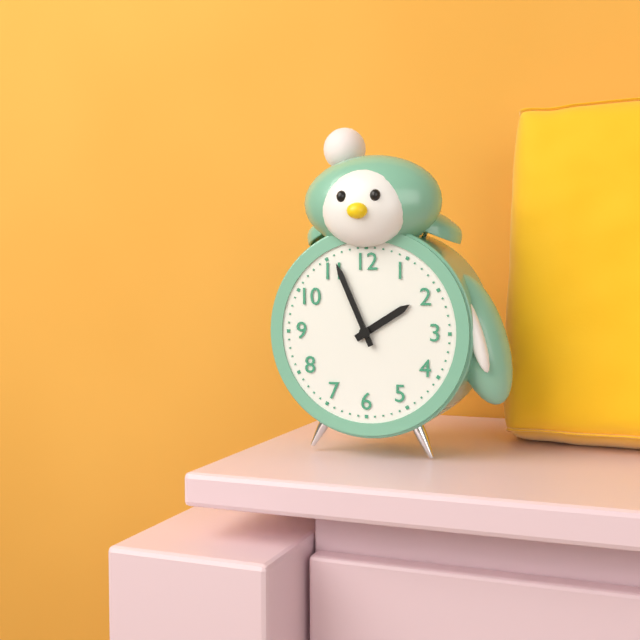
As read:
1:56
